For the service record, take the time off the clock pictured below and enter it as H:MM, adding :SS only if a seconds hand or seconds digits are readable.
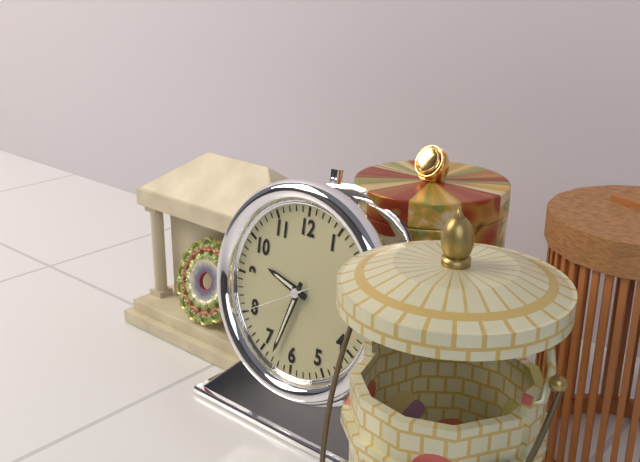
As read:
9:33:40
